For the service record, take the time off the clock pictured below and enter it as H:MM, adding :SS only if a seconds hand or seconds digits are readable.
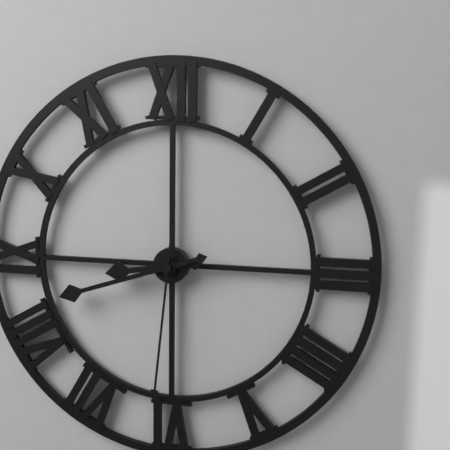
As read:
8:42:31
